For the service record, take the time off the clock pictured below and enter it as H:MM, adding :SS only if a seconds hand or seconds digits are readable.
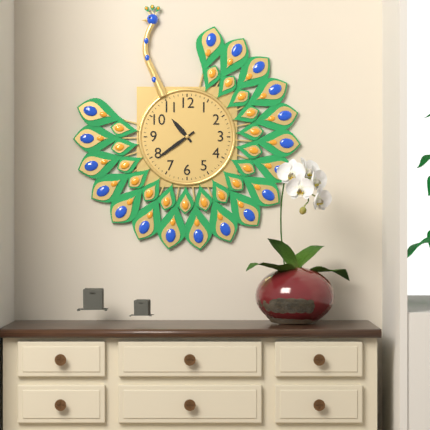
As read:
10:39
